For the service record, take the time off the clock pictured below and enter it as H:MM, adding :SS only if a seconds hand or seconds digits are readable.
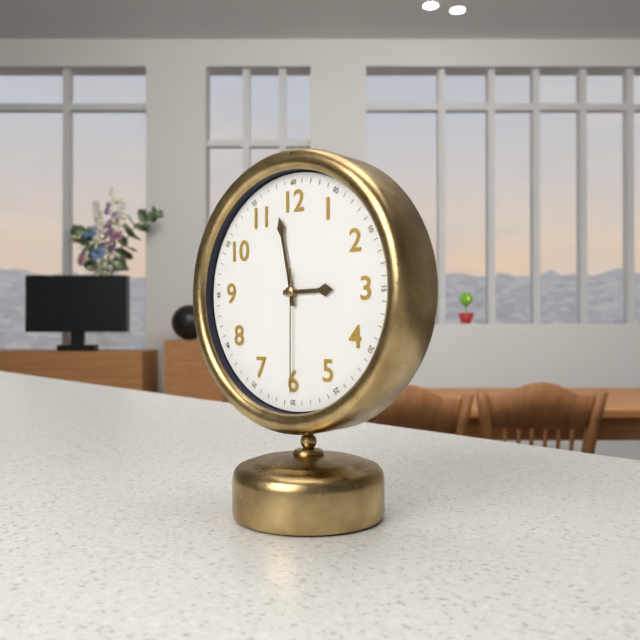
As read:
2:58:30
